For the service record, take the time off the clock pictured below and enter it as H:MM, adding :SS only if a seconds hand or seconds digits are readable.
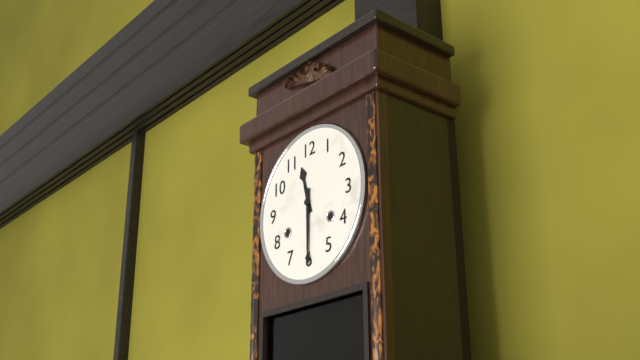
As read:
11:30
